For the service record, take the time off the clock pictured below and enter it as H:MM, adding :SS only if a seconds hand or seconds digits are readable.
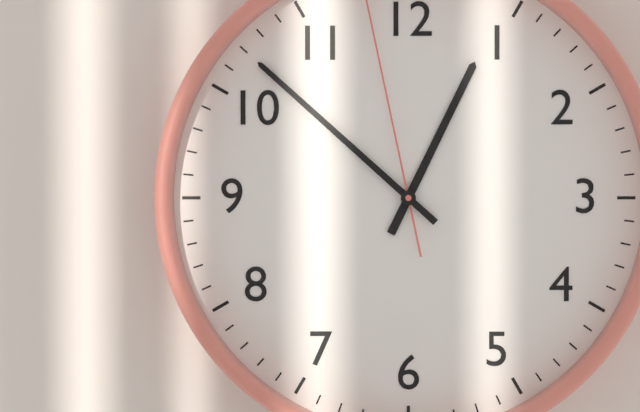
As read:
12:52
